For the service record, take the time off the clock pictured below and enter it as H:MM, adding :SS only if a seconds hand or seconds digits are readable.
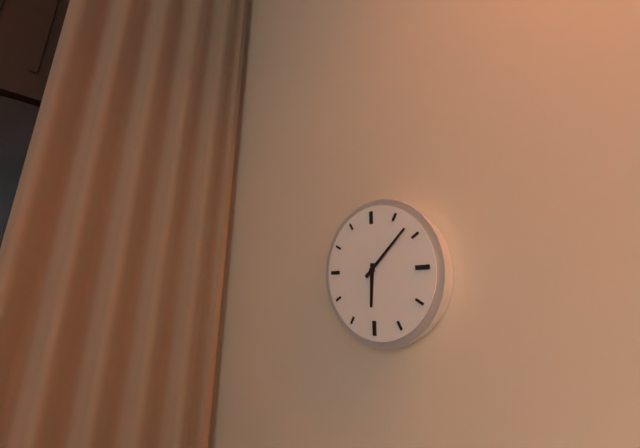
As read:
6:08
